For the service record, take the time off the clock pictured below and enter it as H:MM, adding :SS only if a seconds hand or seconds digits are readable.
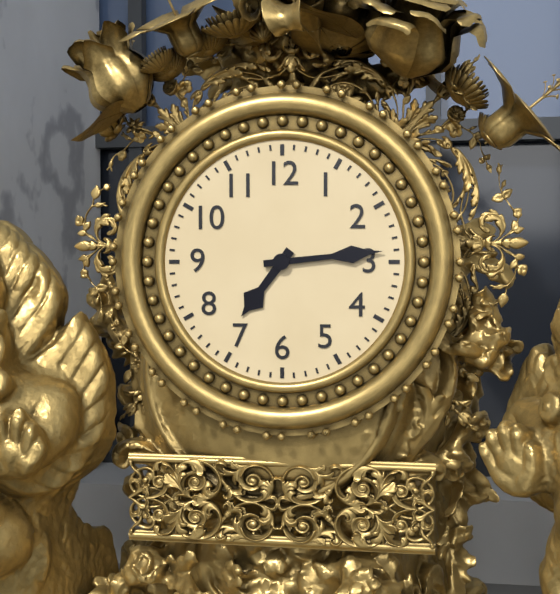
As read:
7:14
